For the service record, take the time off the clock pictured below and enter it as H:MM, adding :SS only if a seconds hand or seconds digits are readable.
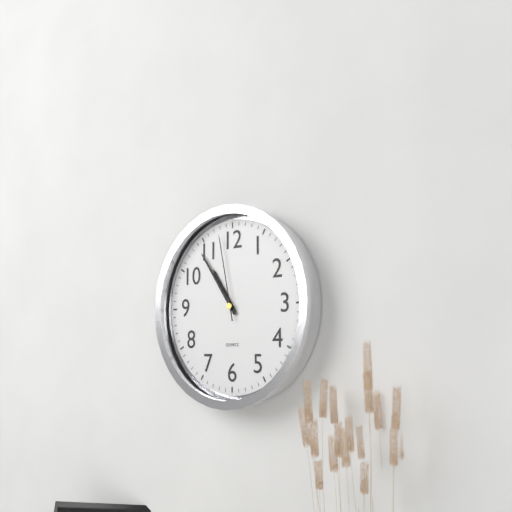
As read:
10:54:58
